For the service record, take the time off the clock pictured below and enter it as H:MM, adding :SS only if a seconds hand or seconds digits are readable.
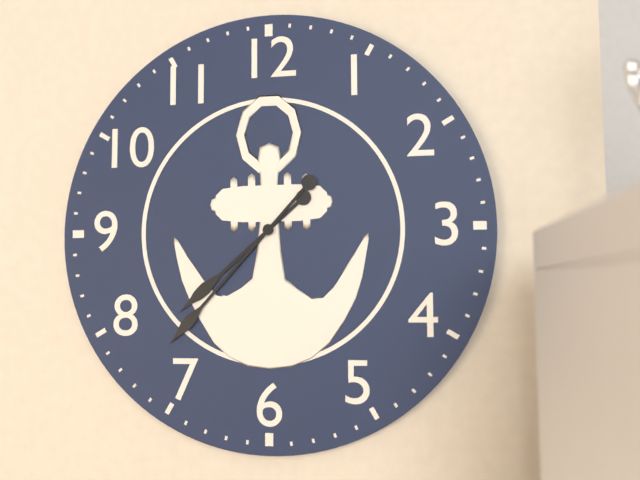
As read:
7:37
